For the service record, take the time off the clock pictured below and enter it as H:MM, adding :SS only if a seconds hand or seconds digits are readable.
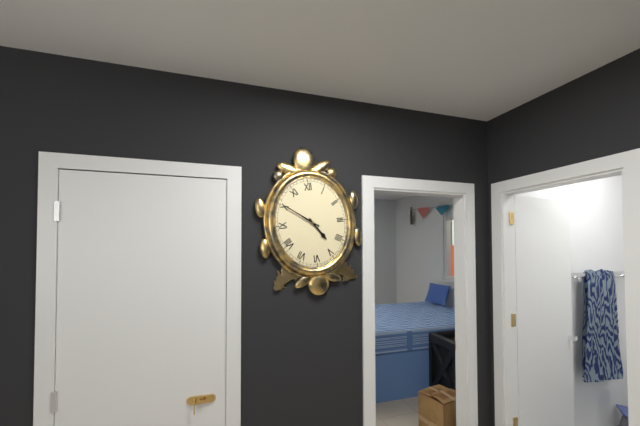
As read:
4:51
